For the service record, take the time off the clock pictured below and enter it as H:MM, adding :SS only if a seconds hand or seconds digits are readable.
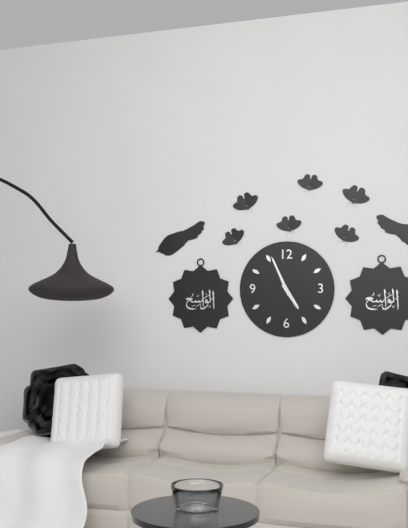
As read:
4:56
